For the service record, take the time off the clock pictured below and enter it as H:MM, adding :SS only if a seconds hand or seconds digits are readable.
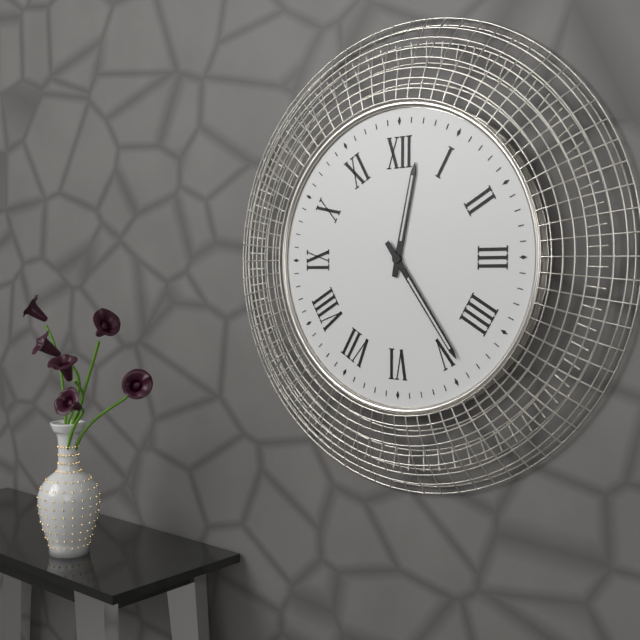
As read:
12:24
